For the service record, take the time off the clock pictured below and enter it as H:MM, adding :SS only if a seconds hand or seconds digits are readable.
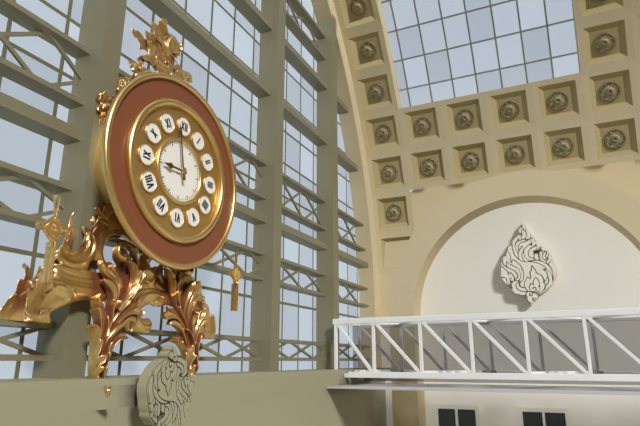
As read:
8:58
